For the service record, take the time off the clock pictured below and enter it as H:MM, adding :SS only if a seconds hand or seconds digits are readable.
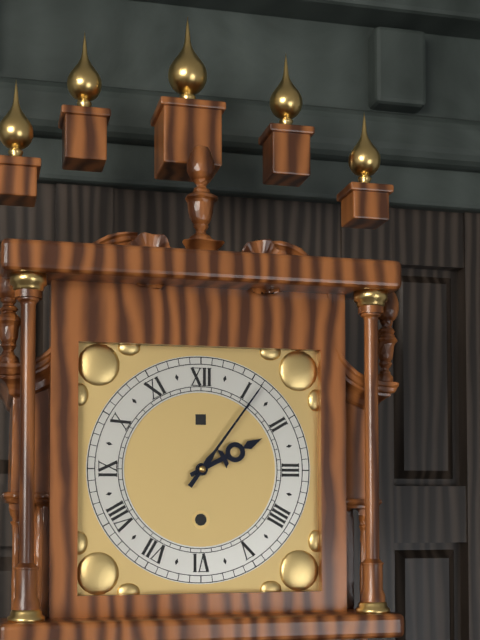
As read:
2:06
